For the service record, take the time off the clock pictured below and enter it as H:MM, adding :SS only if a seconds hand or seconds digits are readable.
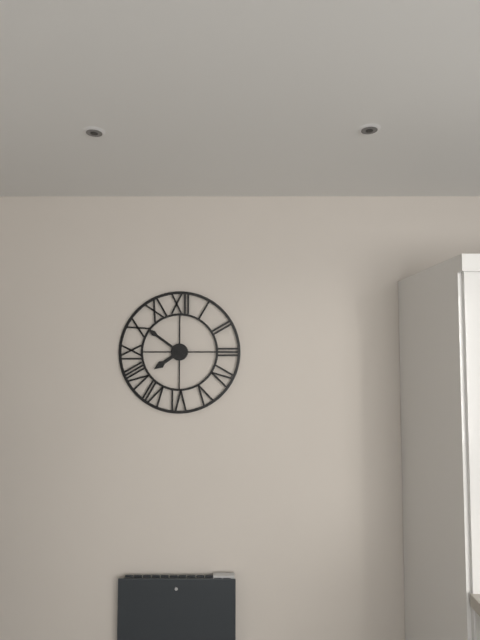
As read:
7:51
